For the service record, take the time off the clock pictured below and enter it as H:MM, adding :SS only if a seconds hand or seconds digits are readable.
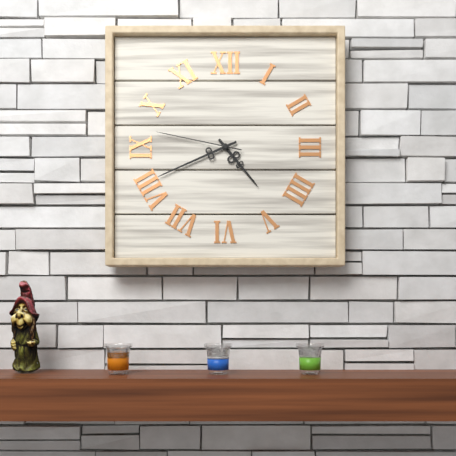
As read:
4:41:47
